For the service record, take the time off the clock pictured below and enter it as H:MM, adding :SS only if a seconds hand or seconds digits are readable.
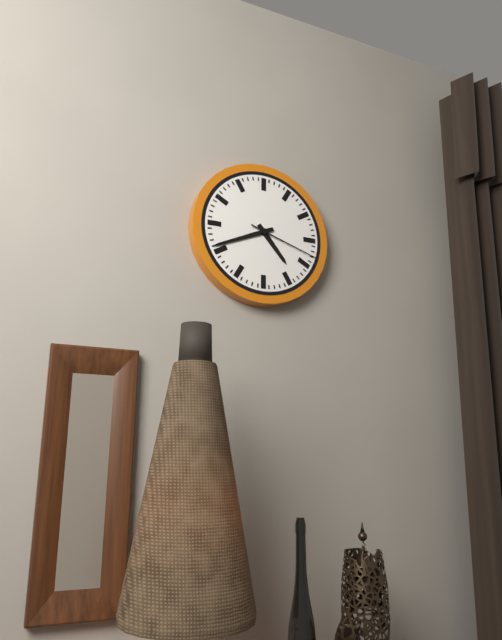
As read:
4:41:18
